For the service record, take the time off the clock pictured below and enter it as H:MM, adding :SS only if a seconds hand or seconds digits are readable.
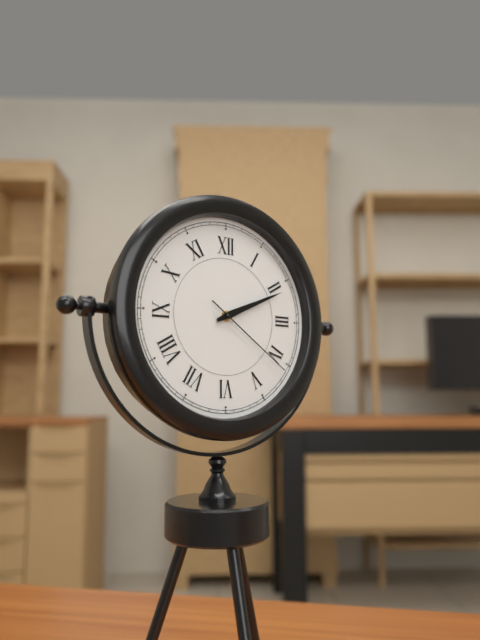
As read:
2:11:21
